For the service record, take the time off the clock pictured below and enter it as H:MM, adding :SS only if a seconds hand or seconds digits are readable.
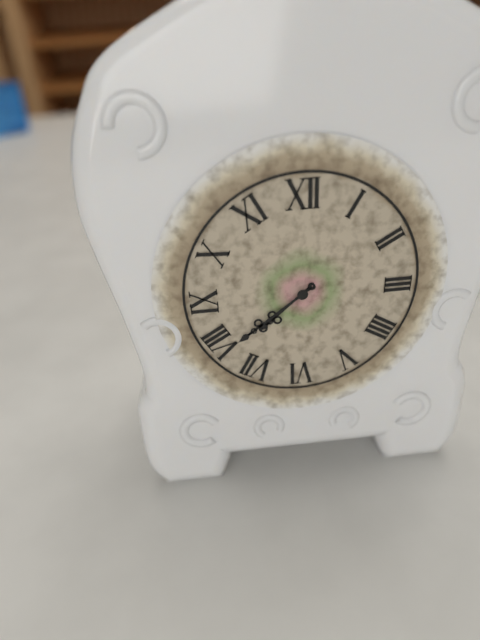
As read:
7:39
